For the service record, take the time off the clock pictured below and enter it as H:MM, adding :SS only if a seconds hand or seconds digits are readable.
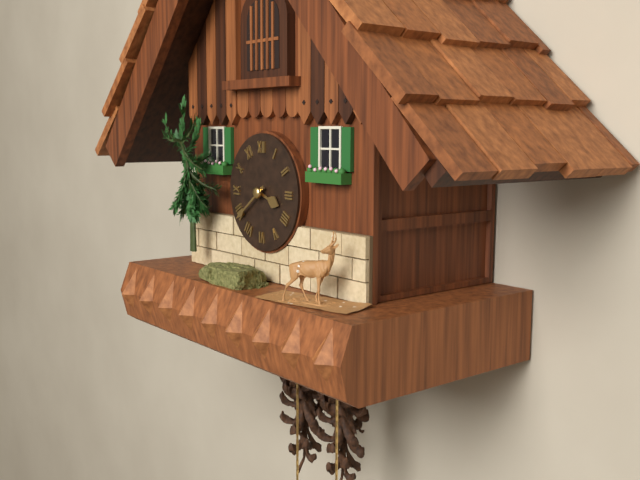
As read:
3:39
